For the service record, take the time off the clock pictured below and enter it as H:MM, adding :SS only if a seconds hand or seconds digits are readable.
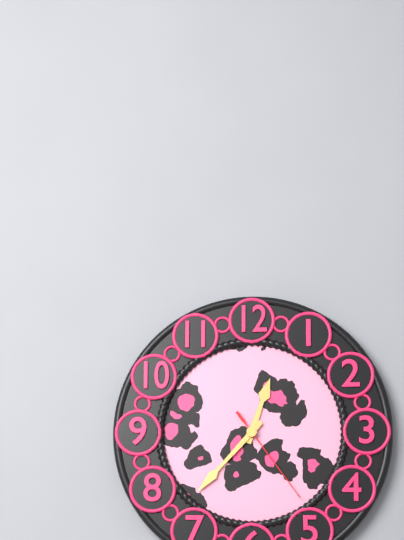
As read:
12:37:24
